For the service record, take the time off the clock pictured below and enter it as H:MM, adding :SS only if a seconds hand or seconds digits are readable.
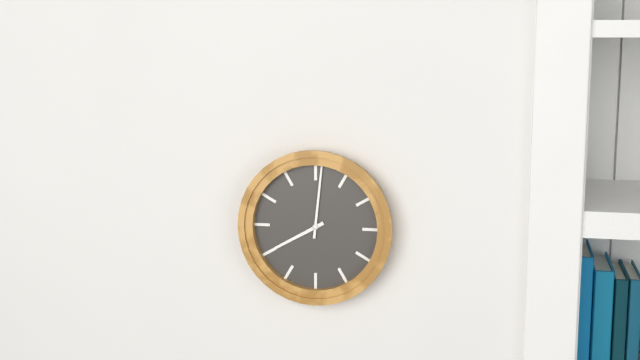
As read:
8:01
